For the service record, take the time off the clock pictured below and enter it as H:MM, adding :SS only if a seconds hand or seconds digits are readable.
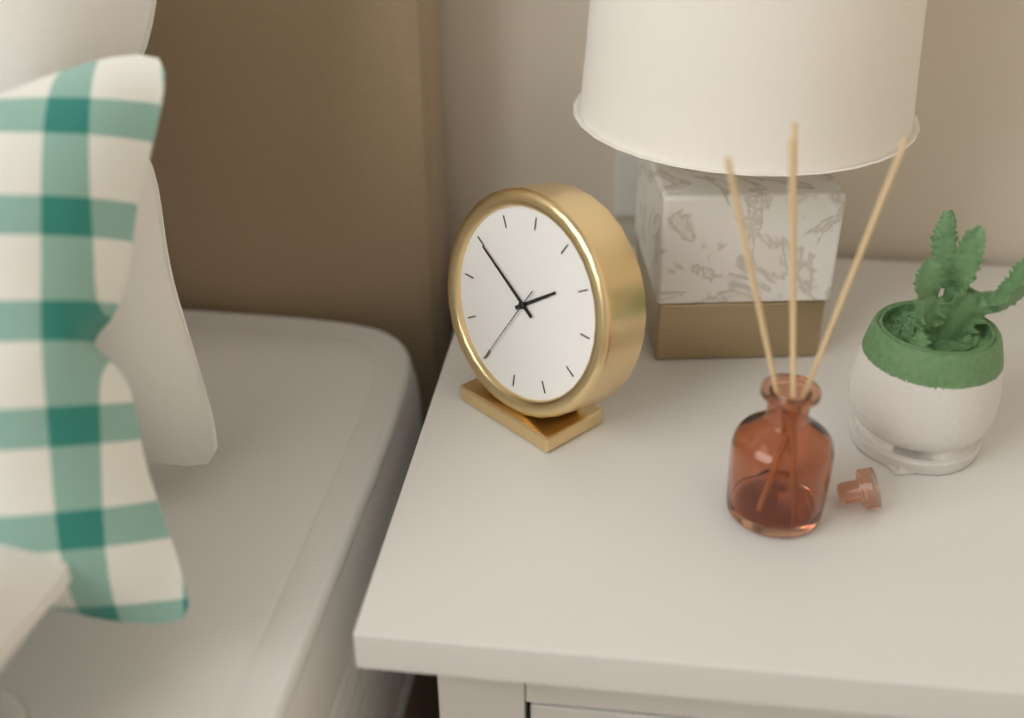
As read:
1:50:35
